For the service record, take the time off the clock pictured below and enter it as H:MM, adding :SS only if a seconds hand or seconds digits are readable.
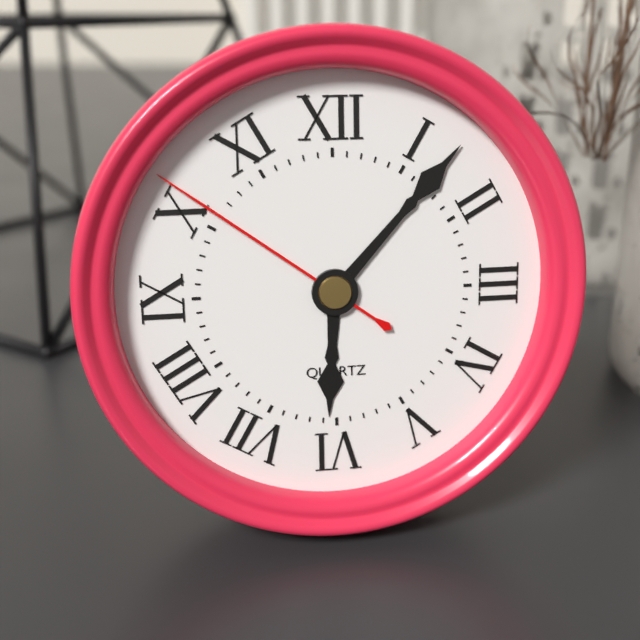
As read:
6:07:51
